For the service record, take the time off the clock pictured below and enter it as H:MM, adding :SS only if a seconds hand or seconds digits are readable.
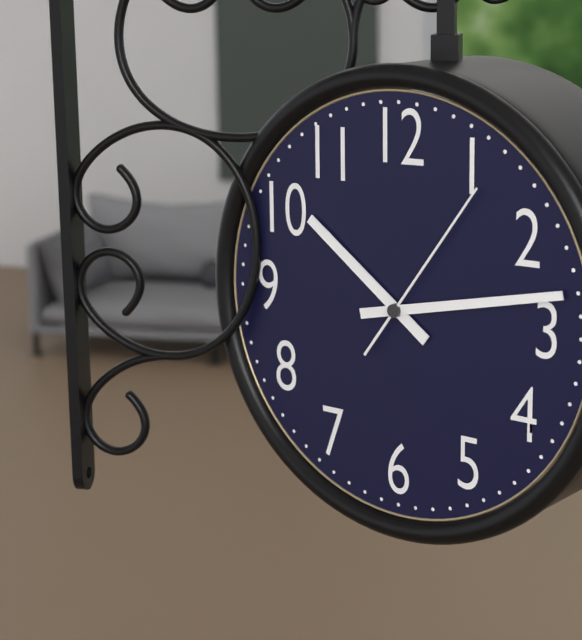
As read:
10:13:06
